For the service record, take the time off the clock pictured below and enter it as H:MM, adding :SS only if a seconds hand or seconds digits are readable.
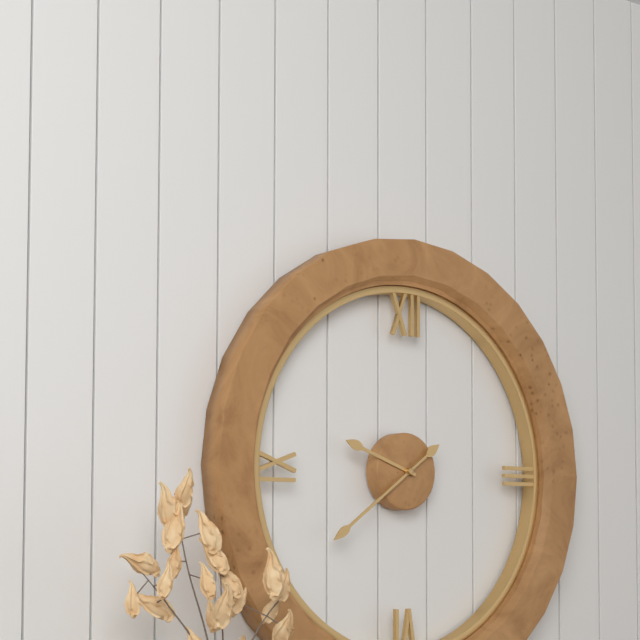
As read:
9:39
